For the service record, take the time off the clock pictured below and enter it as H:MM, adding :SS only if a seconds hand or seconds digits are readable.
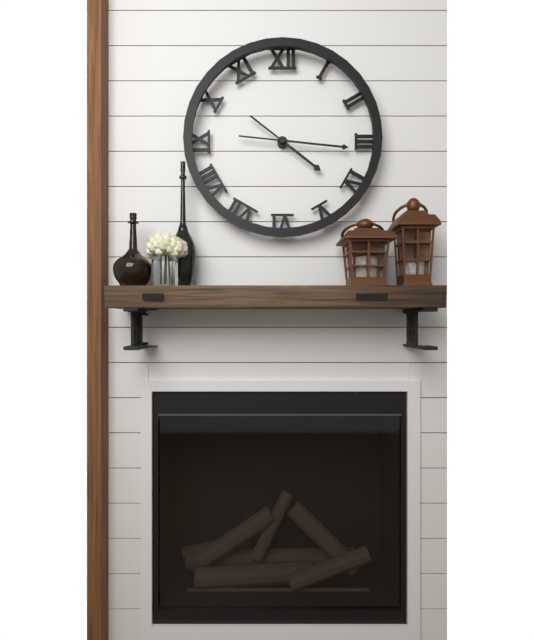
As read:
4:16
